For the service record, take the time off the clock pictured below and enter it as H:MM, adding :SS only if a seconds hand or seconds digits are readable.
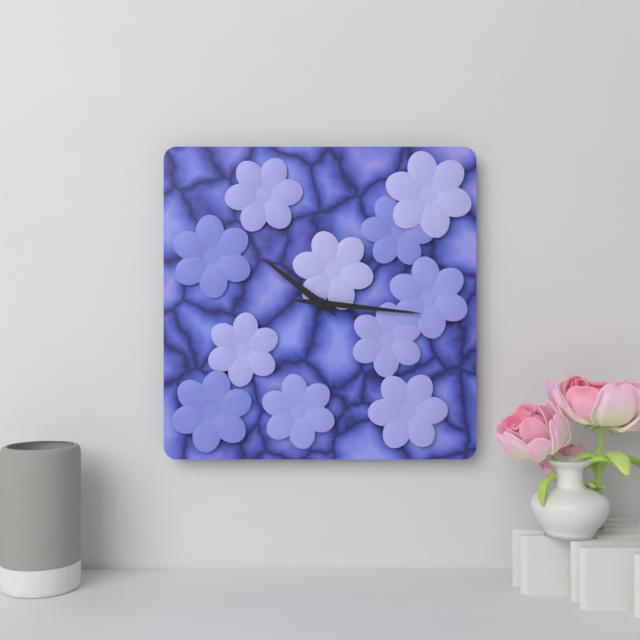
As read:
10:16
